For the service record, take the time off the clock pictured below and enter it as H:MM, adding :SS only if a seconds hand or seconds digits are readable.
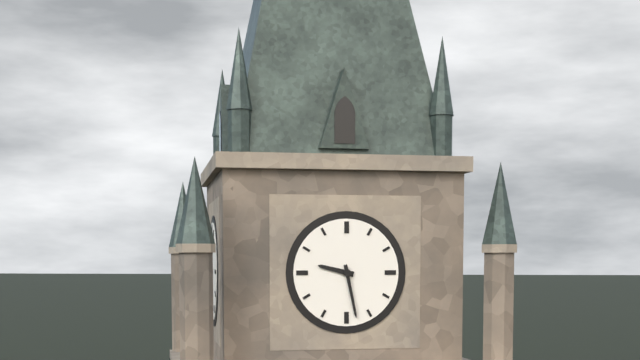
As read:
9:28
